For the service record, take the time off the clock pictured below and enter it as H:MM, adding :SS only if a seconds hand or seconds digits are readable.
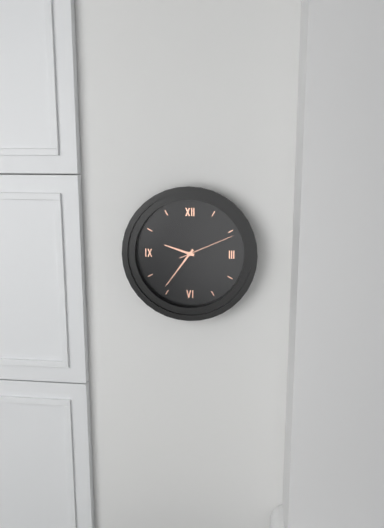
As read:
9:36:11
